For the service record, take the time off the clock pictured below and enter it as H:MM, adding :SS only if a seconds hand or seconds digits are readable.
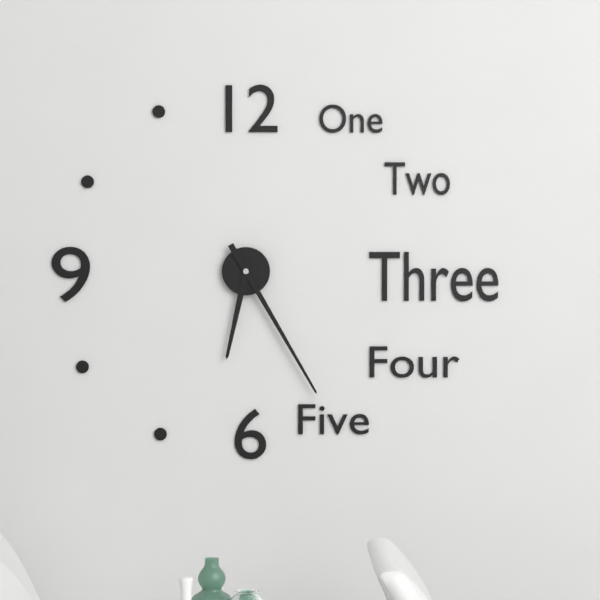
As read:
6:25
